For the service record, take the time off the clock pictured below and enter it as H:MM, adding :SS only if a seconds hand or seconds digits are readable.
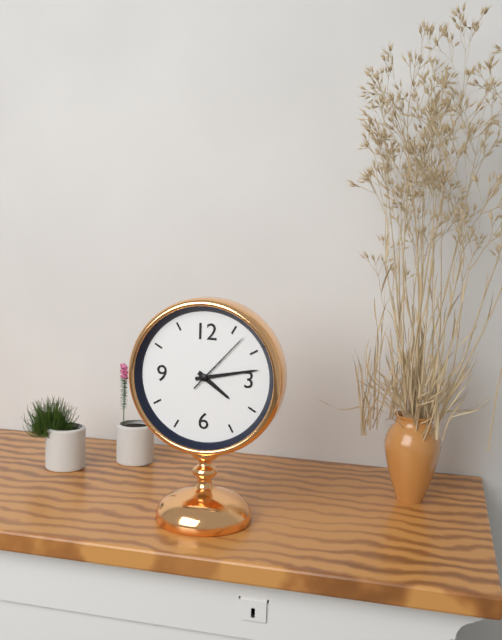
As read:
4:13:07
